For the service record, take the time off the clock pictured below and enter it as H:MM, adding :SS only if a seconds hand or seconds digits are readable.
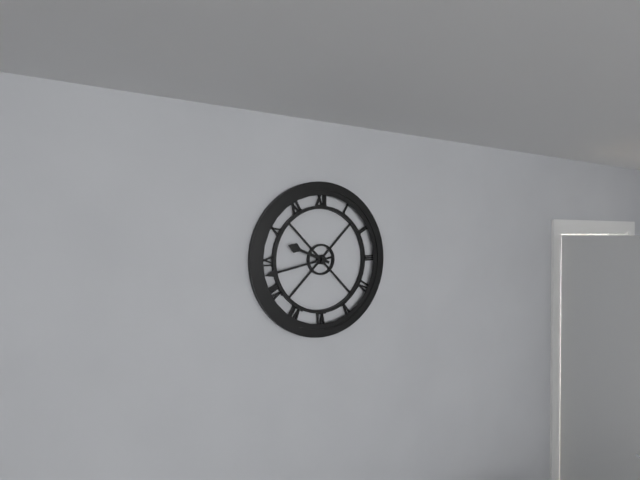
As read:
9:43
